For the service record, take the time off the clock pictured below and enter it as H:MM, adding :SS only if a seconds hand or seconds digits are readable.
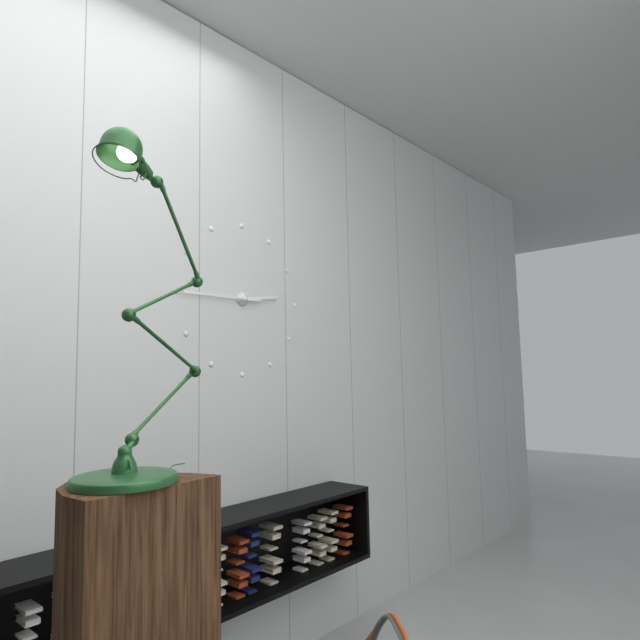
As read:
2:45
